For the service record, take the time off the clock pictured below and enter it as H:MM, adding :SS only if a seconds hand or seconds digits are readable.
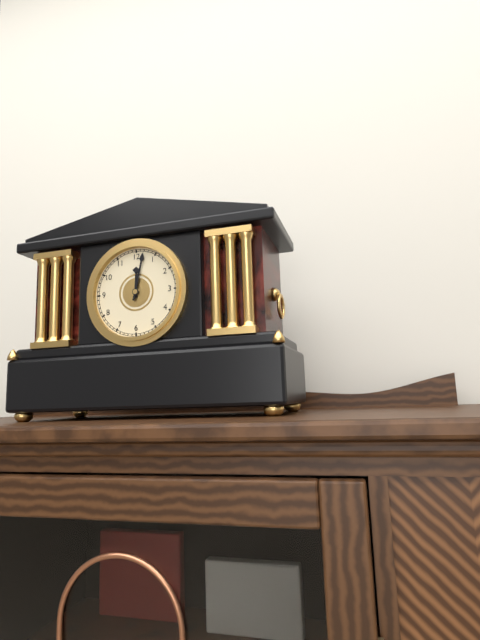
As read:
12:02
